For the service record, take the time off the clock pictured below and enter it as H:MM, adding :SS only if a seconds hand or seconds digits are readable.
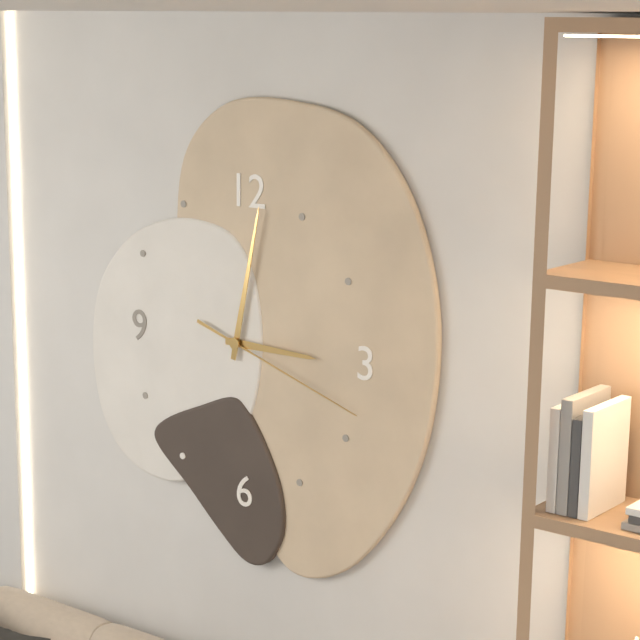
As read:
3:02:18
